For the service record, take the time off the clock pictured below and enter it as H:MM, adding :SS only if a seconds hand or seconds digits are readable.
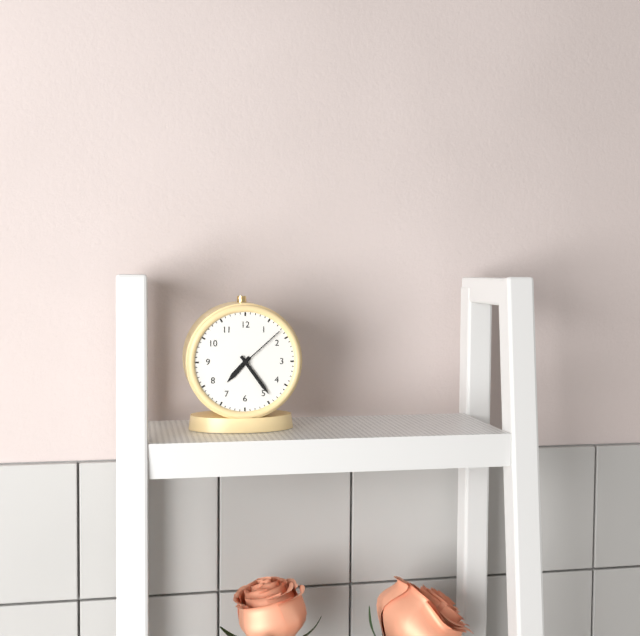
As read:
7:24:08
